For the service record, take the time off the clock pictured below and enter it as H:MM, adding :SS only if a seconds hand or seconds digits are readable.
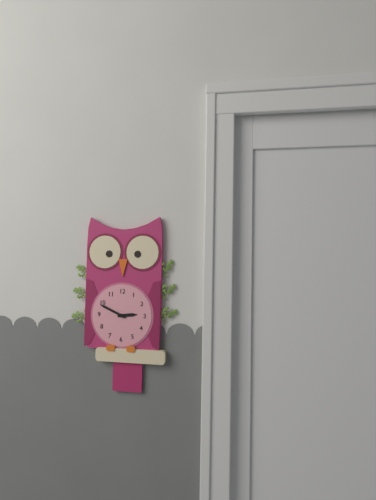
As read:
2:49
